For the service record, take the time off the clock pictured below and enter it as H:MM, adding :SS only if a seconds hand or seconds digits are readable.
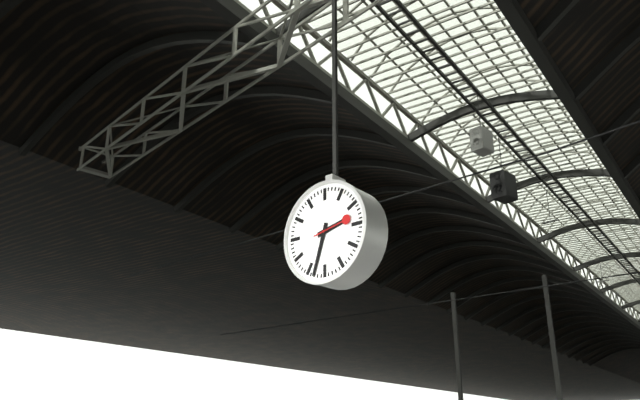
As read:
2:33
